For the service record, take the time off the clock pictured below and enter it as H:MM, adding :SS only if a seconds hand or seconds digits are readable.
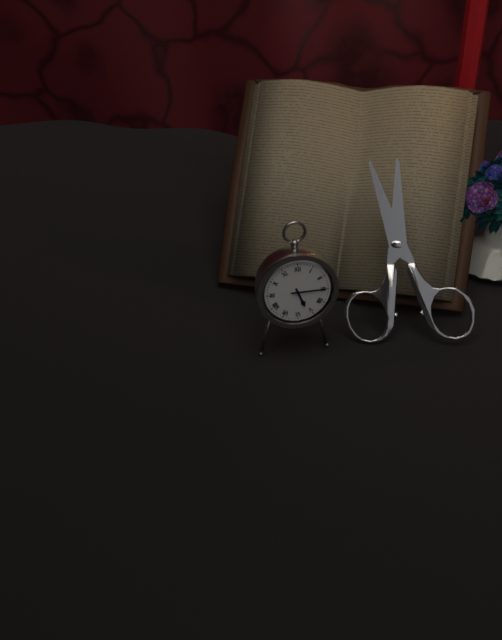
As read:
5:15
